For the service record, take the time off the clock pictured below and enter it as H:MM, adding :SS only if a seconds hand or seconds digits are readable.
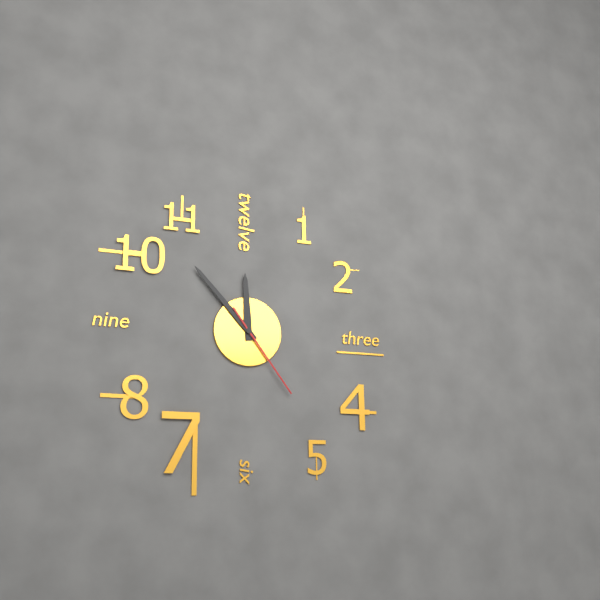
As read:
11:53:24
